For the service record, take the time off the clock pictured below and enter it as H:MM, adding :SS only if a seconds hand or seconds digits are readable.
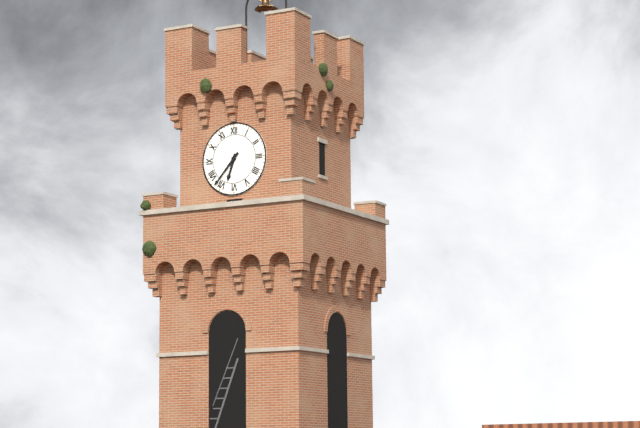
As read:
6:37
